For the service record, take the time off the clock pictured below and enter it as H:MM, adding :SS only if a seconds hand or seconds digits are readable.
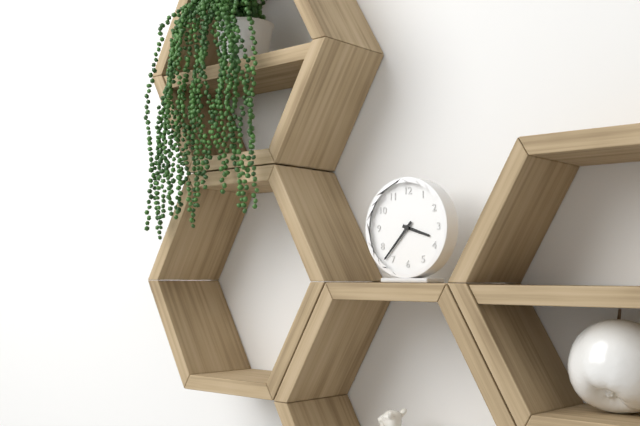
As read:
3:37
